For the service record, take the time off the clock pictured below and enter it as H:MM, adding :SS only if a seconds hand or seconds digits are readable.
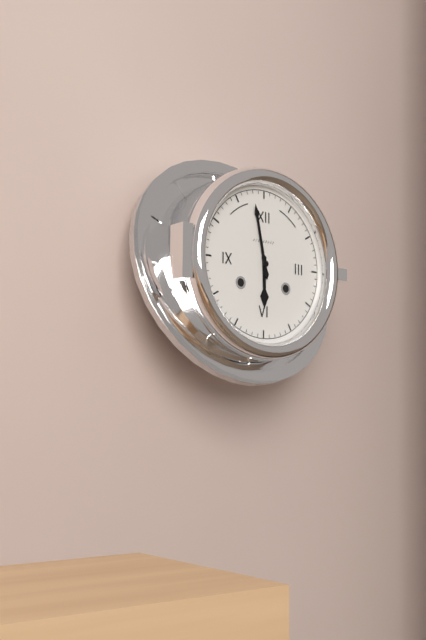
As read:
5:58
